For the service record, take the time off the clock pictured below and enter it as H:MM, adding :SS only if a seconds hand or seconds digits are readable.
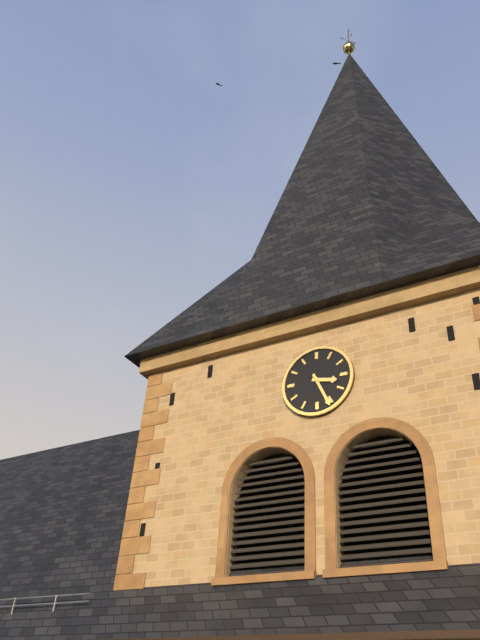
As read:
3:26
